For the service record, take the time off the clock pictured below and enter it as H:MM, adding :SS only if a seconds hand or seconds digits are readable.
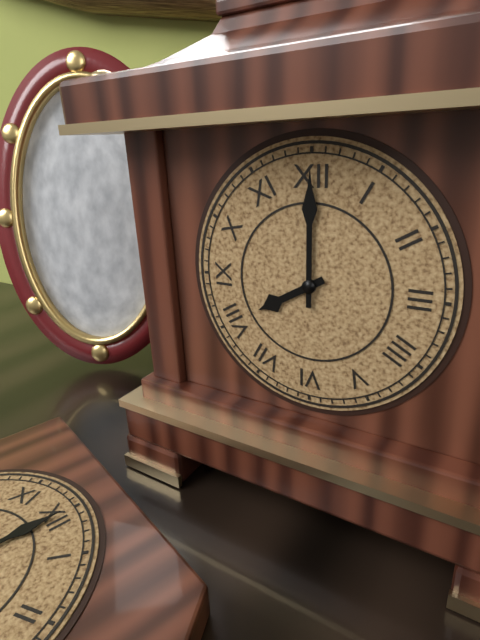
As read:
8:00
